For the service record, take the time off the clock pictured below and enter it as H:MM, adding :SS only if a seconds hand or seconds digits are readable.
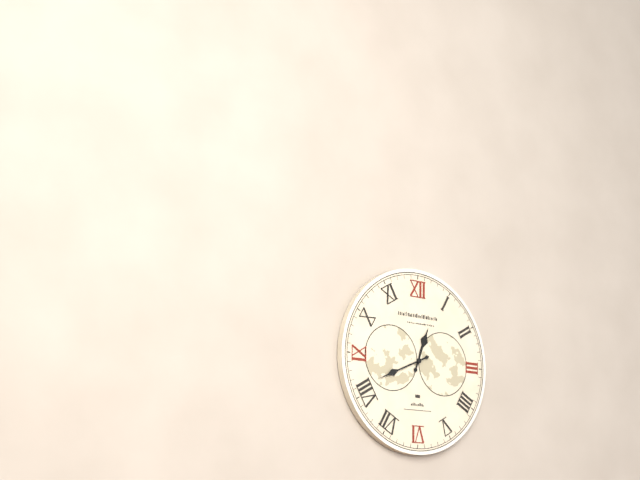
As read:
12:41
